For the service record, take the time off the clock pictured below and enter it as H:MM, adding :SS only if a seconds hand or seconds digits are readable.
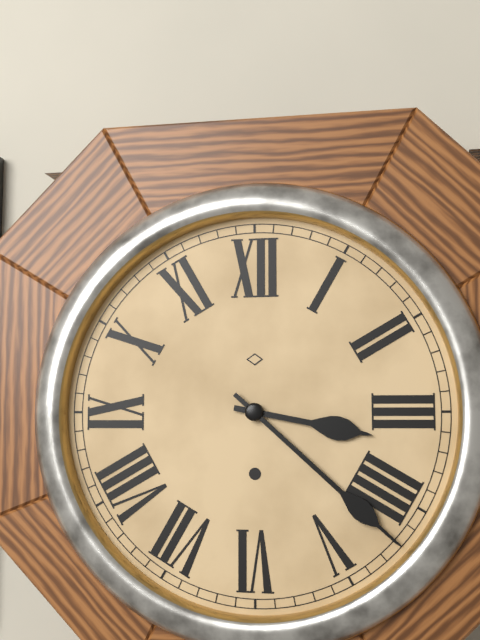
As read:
3:22
